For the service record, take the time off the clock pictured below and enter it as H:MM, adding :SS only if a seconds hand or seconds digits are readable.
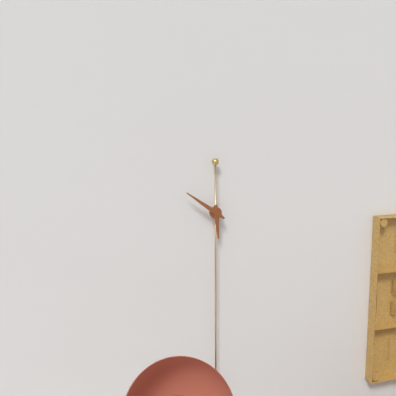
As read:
5:51
